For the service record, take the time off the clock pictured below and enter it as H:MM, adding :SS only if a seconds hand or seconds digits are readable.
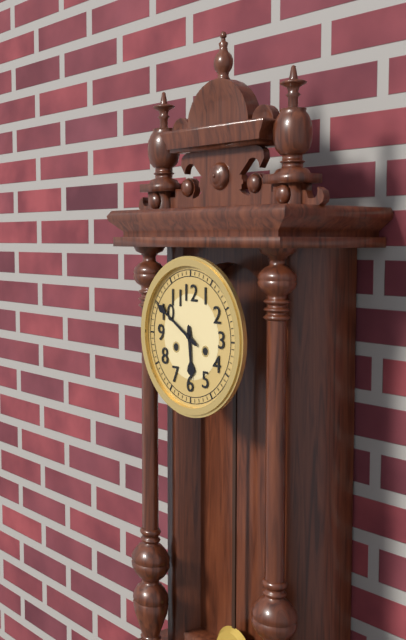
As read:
5:50
